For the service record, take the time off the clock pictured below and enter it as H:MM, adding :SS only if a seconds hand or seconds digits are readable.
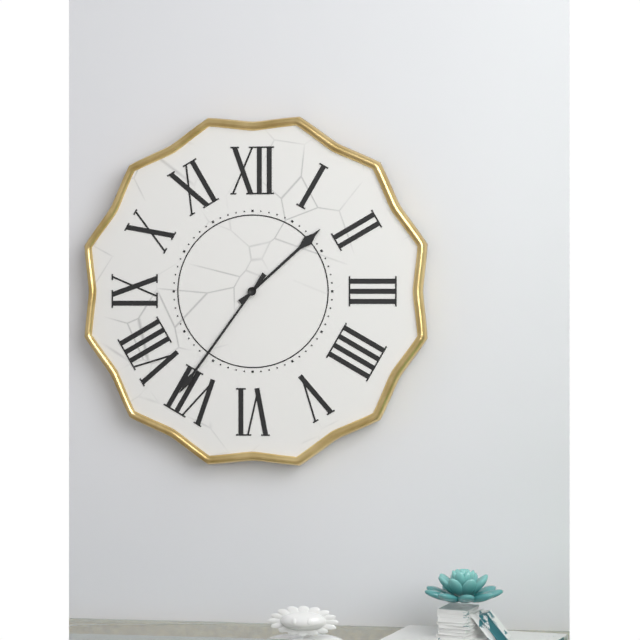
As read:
1:36
